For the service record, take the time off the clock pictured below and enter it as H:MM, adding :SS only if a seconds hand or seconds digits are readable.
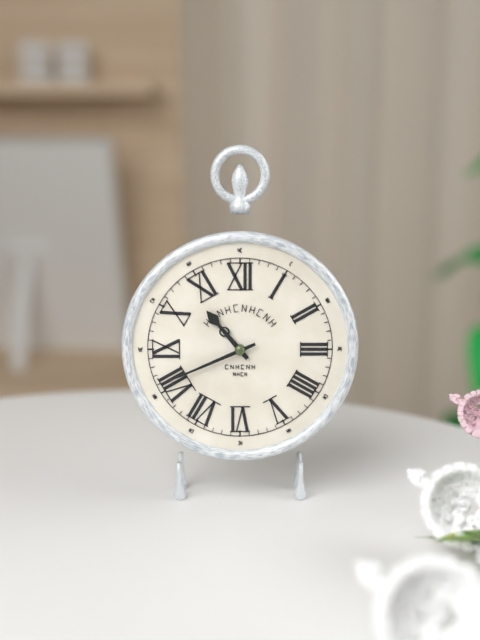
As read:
10:41
